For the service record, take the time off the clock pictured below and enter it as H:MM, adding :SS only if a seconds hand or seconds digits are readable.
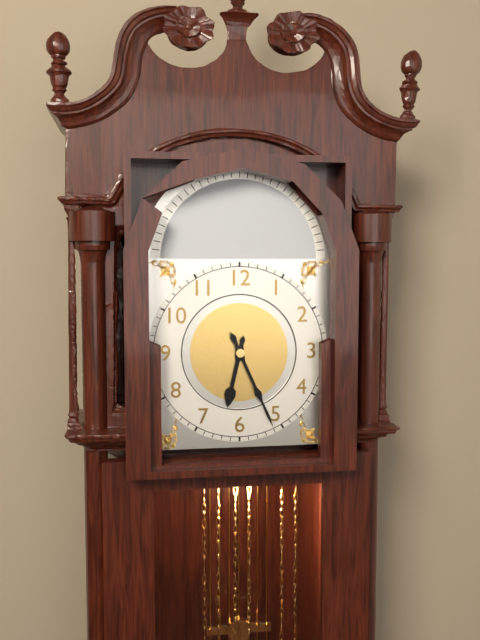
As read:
6:26
